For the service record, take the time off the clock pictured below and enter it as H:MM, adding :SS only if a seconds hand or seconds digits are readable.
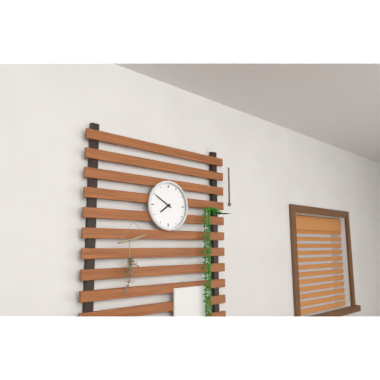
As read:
7:50
